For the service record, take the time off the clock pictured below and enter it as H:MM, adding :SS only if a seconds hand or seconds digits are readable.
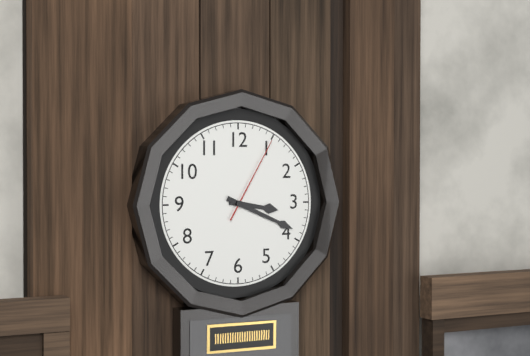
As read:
3:19:05
